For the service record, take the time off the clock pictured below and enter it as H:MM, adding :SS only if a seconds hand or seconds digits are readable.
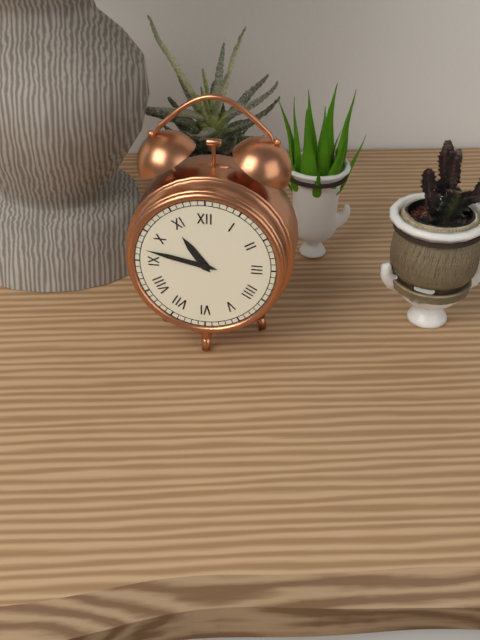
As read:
10:47
